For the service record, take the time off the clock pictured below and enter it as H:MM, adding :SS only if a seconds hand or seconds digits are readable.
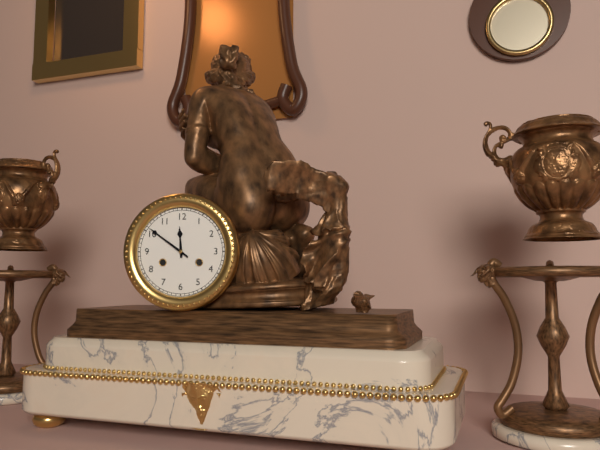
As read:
11:51
